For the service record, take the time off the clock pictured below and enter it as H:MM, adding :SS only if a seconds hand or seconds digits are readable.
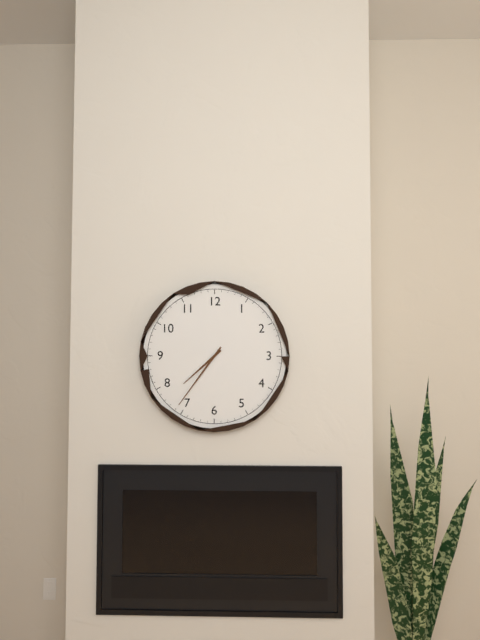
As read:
7:36
